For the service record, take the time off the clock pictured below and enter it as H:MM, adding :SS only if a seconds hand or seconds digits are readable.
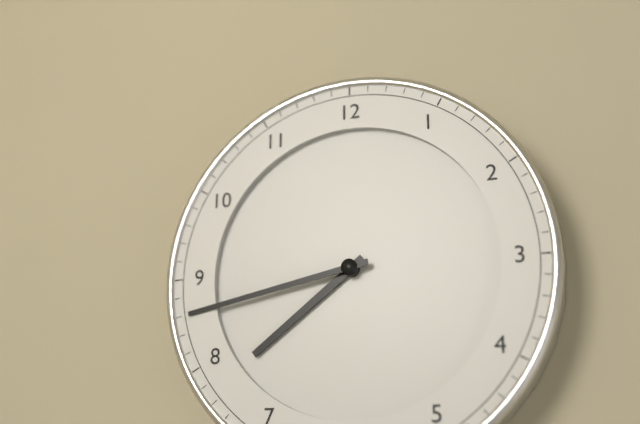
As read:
7:43
